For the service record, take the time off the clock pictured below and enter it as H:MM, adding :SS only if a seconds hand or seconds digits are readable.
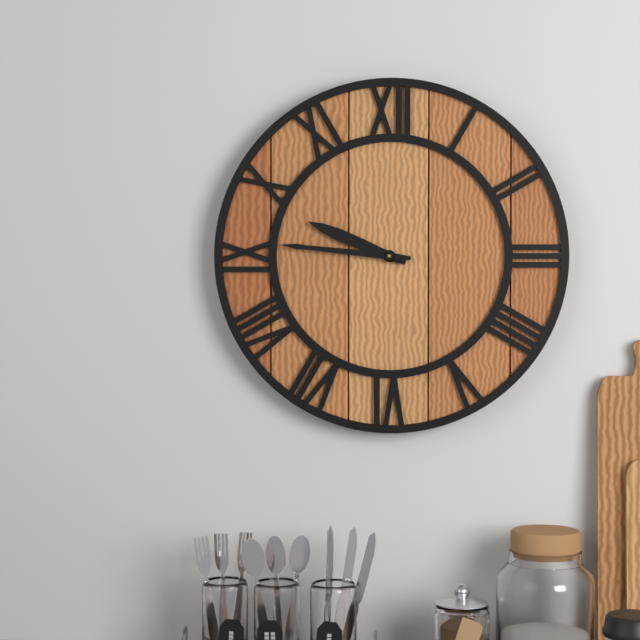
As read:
9:46
